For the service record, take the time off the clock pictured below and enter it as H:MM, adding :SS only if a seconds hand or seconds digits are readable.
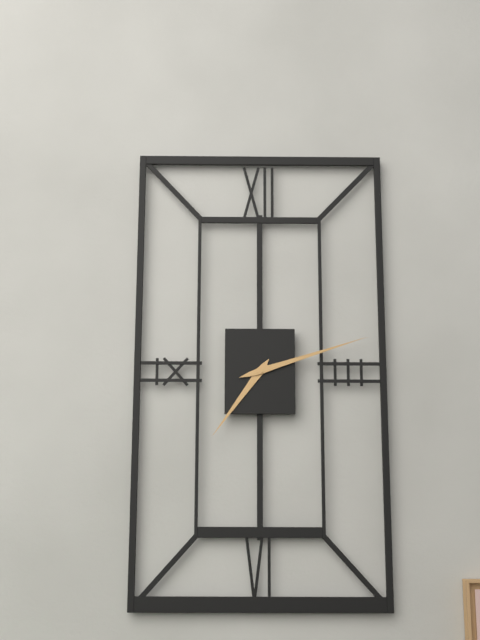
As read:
7:12
